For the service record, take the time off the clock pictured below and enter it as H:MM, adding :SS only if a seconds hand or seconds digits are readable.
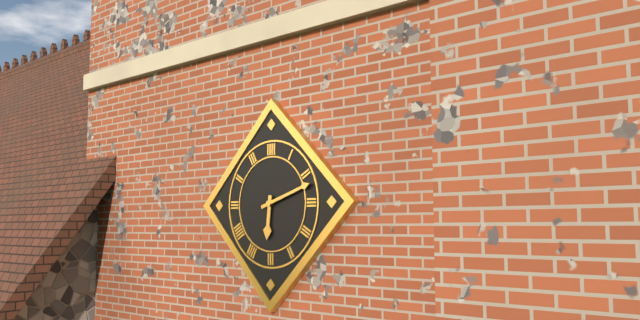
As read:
6:12
